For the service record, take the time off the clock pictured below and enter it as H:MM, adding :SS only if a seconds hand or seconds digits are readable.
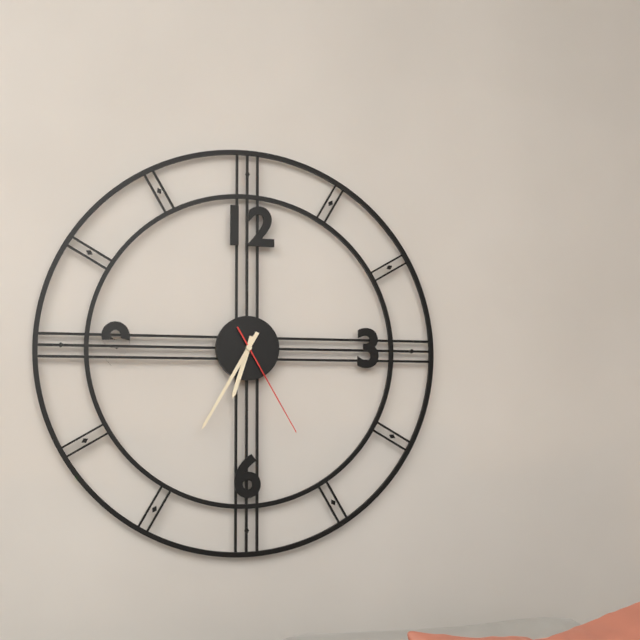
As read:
6:35:25
